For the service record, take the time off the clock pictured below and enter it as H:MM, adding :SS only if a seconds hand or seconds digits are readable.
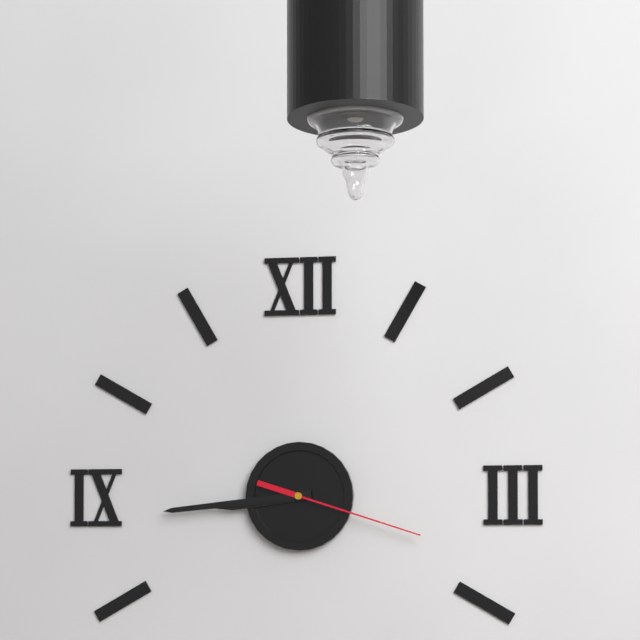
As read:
8:44:18
